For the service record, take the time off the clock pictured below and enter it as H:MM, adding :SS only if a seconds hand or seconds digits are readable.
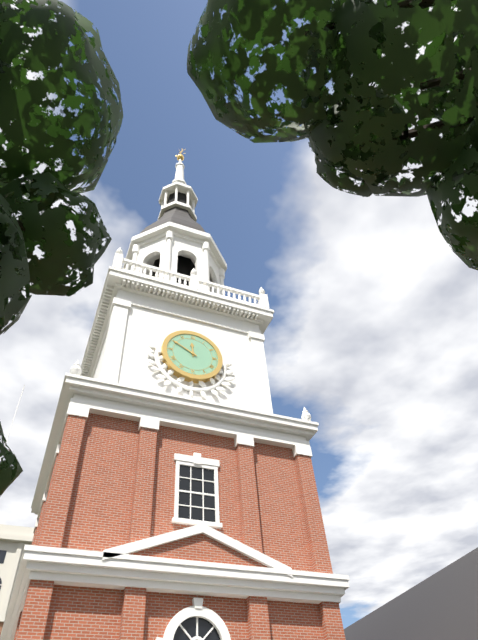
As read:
11:50
